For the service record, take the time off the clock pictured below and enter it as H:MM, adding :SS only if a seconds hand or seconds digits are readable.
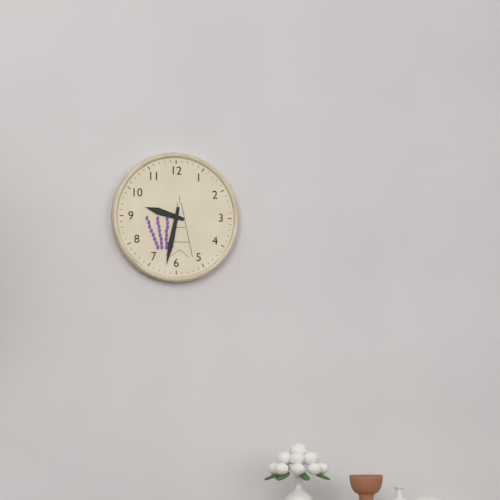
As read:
9:32
